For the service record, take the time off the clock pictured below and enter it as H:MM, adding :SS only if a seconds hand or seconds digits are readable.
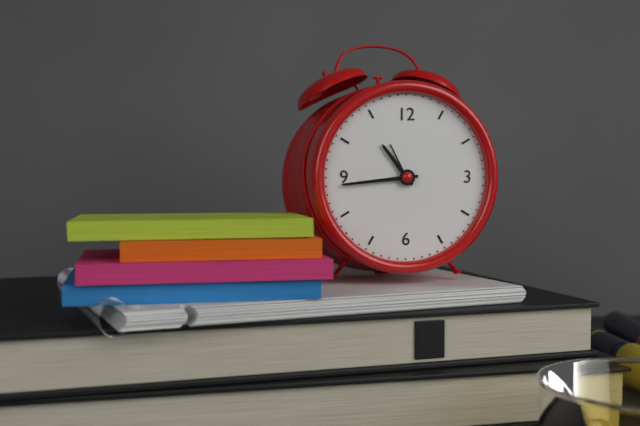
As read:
10:44
